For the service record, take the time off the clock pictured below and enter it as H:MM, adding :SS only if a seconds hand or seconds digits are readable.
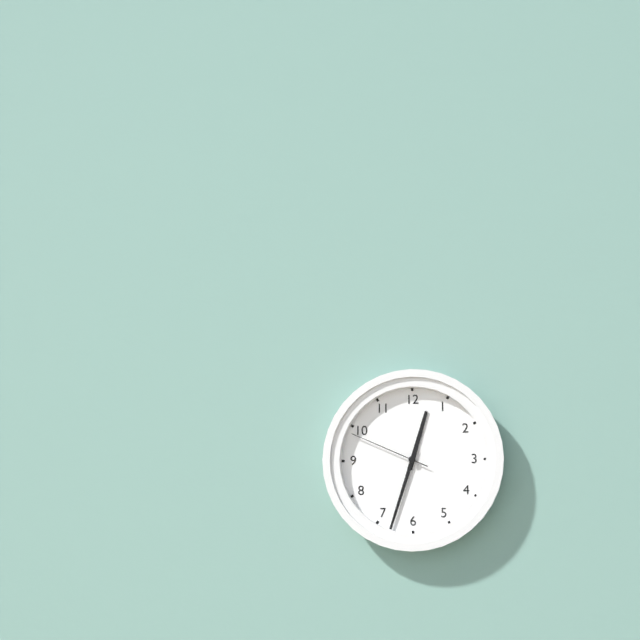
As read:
12:33:49
